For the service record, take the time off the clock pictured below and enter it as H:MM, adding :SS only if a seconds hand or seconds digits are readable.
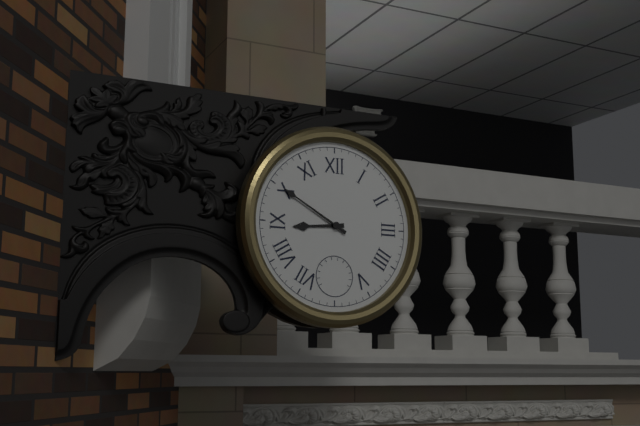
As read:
8:50
